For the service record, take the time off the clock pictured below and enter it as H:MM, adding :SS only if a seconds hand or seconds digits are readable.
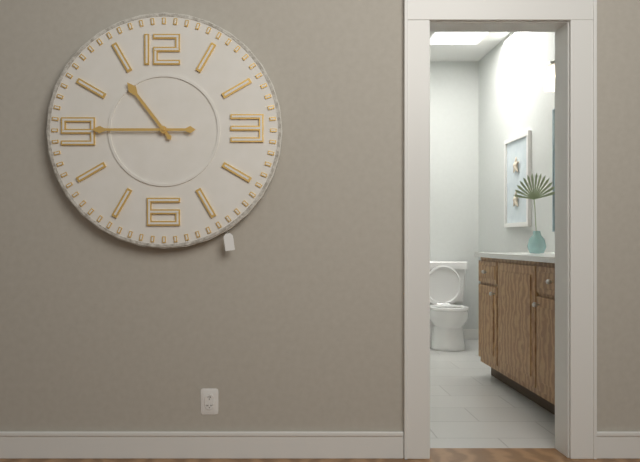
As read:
10:45
